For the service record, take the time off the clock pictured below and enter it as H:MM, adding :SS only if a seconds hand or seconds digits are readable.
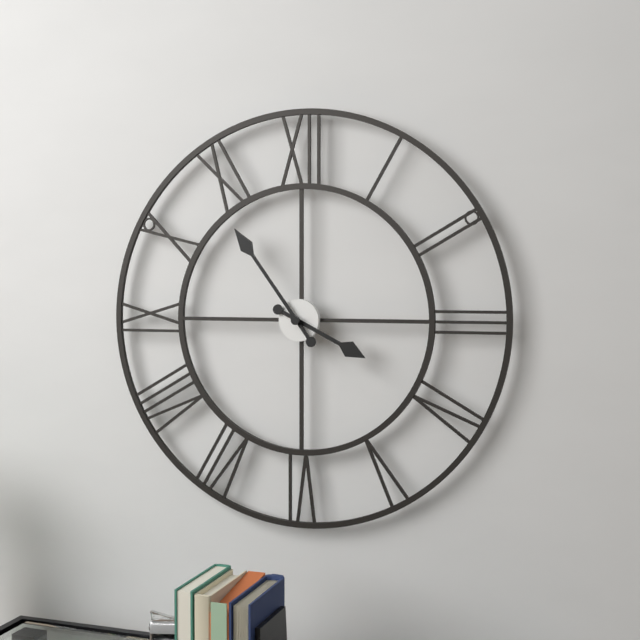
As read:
3:54
